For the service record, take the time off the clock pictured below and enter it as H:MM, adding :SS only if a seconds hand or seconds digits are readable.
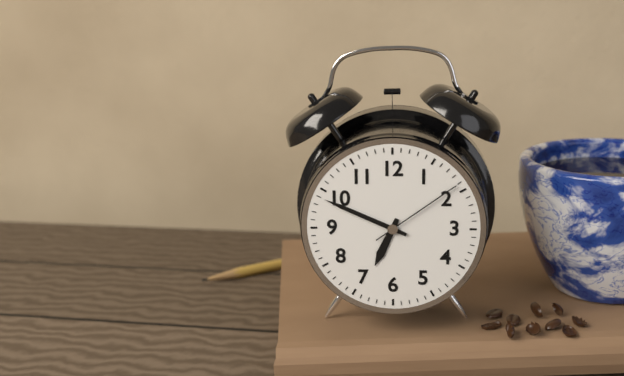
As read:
6:49:09
